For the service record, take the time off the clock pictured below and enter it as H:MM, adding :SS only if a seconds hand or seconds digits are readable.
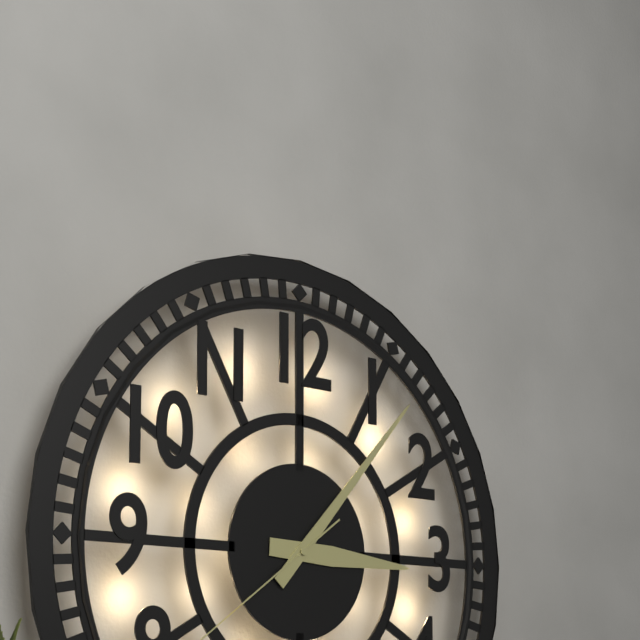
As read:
3:07
